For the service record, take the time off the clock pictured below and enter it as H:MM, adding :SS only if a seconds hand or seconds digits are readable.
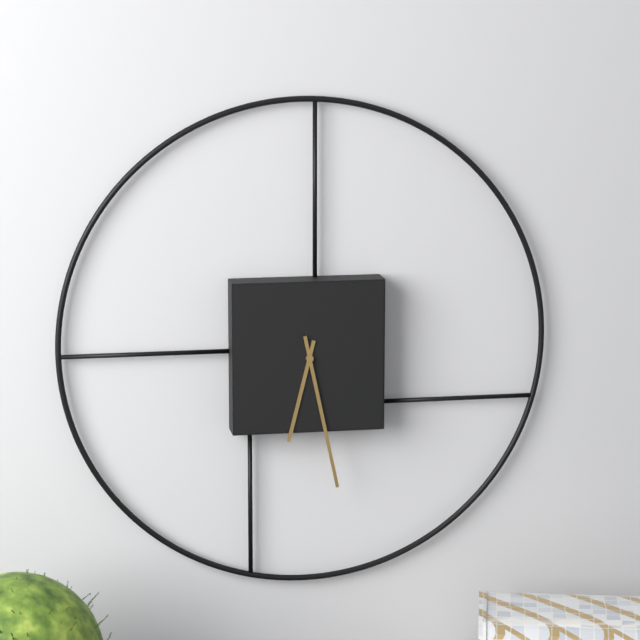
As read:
6:28
